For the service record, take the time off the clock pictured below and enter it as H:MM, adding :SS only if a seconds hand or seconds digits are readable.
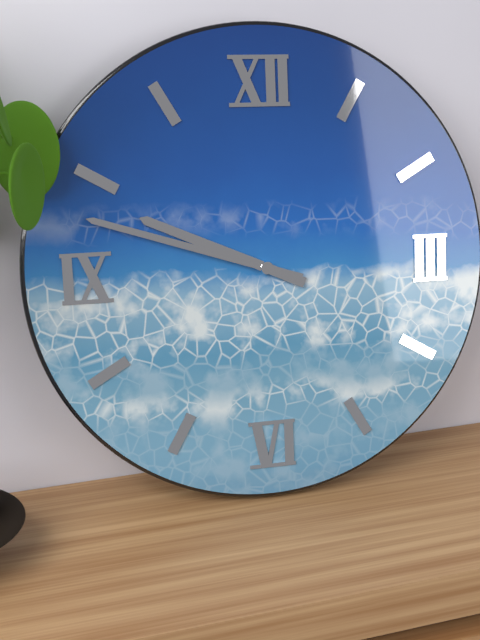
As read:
9:48
